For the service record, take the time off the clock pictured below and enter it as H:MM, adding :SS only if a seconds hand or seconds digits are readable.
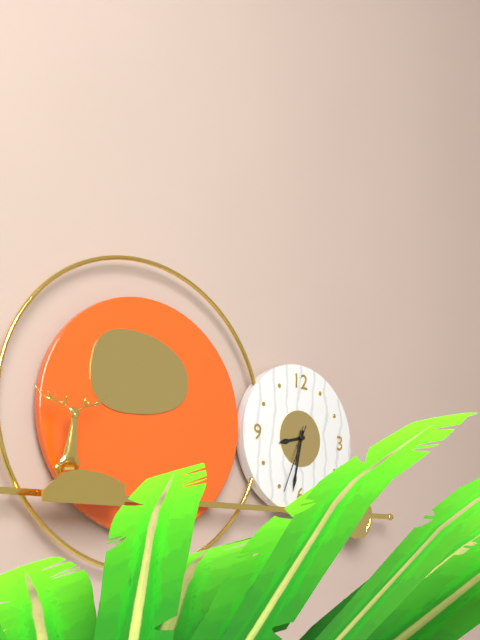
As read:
8:32:34
